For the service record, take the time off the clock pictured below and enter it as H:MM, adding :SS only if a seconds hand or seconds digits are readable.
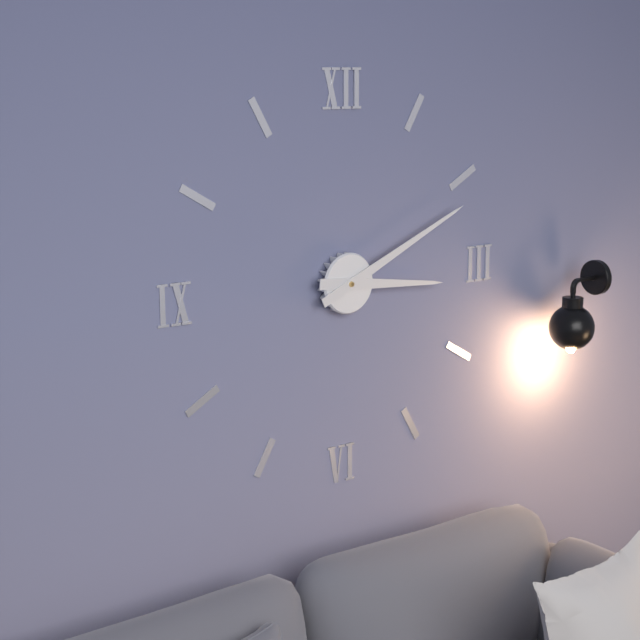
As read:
3:11
